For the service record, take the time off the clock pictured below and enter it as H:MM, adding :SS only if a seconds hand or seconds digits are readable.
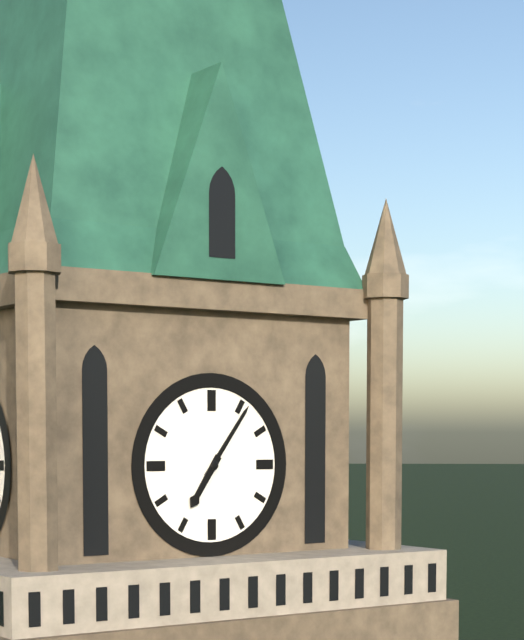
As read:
7:06
